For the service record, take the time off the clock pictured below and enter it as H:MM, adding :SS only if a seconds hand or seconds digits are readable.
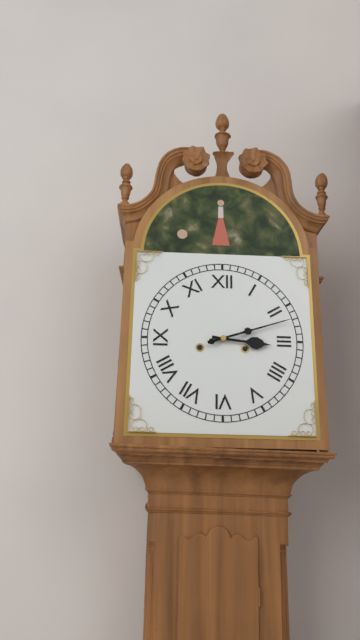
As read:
3:12
